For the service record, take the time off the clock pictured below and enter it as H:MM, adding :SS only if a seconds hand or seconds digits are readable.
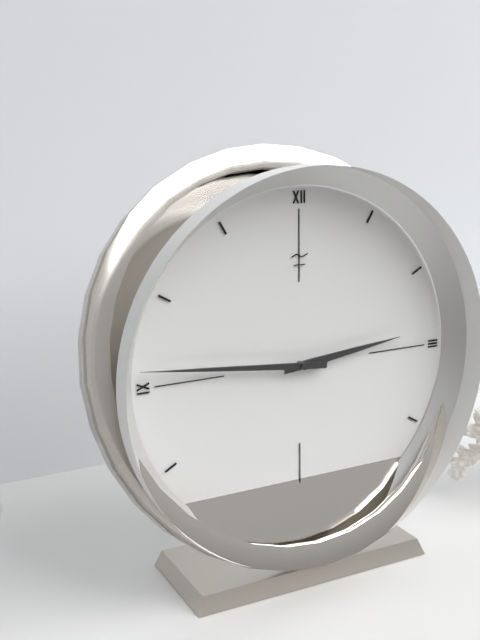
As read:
2:46
